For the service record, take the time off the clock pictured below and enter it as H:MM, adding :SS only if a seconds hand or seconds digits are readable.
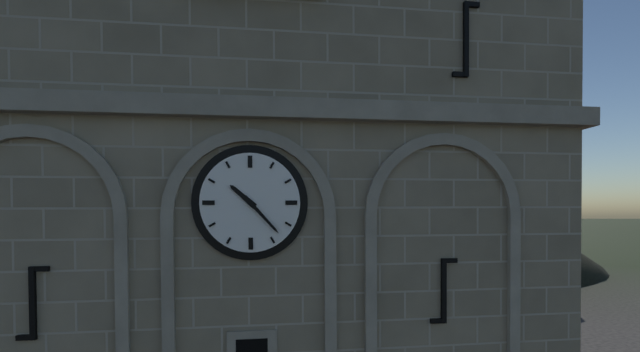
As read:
10:23
